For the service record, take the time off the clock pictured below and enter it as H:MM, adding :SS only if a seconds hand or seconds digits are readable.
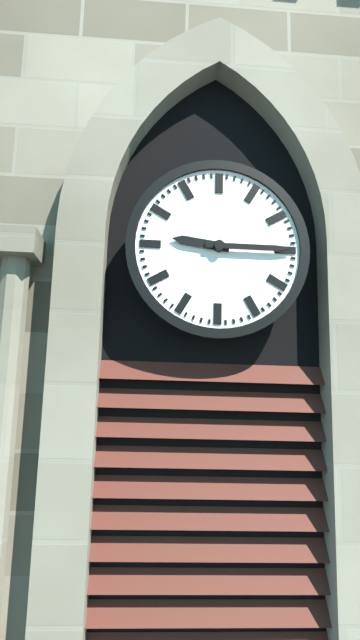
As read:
9:15
